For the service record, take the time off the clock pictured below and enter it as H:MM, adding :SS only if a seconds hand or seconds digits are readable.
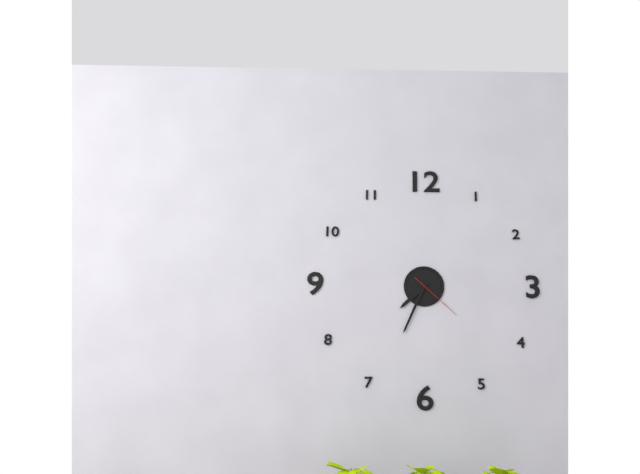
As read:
7:34:22
